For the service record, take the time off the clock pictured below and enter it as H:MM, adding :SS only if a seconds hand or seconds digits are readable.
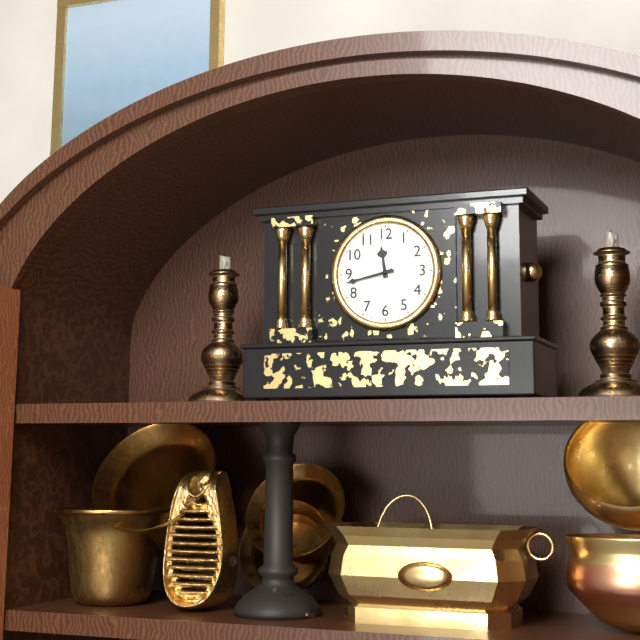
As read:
11:43
